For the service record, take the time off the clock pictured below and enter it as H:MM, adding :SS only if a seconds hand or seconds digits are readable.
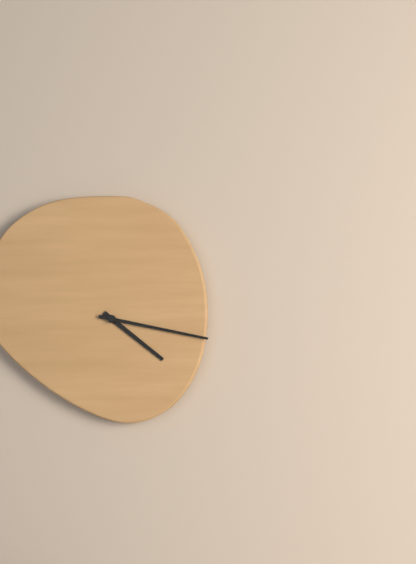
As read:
4:17
